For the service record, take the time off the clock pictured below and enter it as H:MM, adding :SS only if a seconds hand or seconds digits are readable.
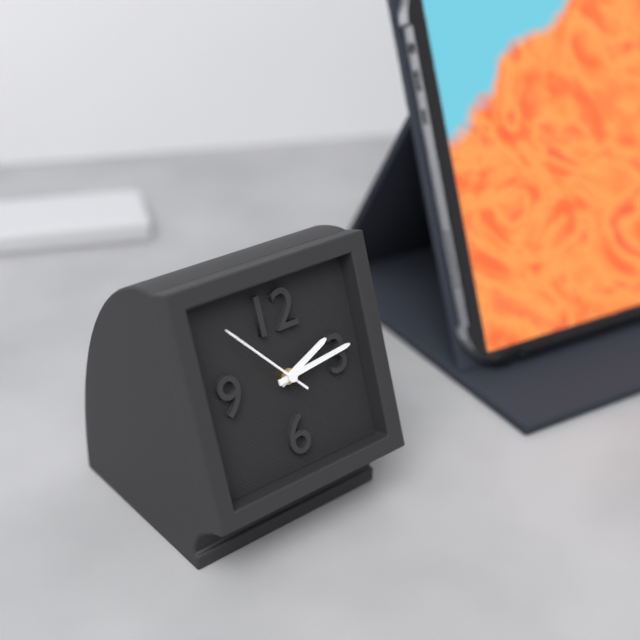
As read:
2:14:53
